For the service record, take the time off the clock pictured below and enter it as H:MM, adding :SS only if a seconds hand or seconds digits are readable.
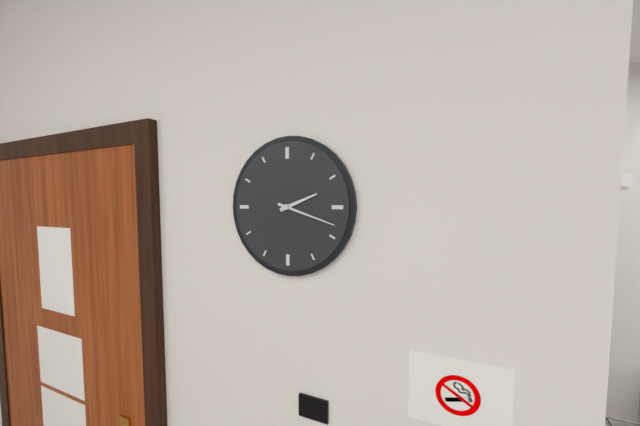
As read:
2:18
